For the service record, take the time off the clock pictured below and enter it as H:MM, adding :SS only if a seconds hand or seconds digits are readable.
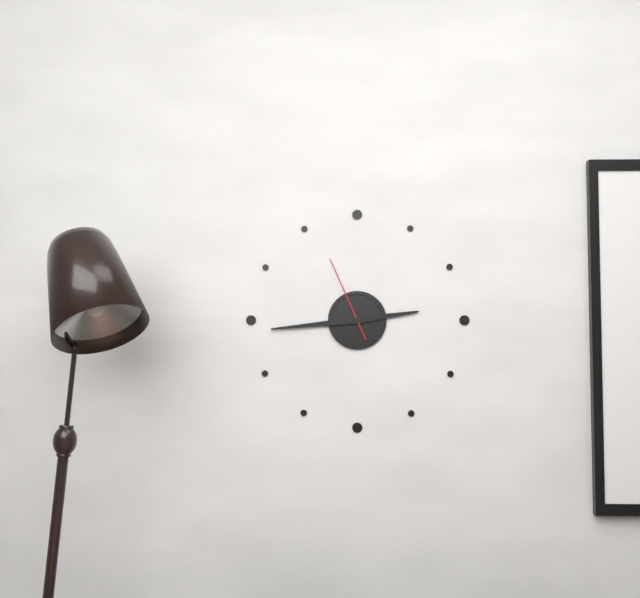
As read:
2:44:56
